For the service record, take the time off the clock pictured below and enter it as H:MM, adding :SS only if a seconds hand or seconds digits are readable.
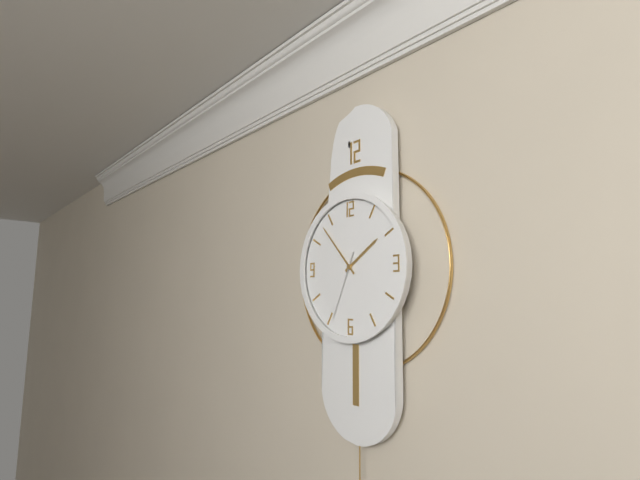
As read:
1:53:34
